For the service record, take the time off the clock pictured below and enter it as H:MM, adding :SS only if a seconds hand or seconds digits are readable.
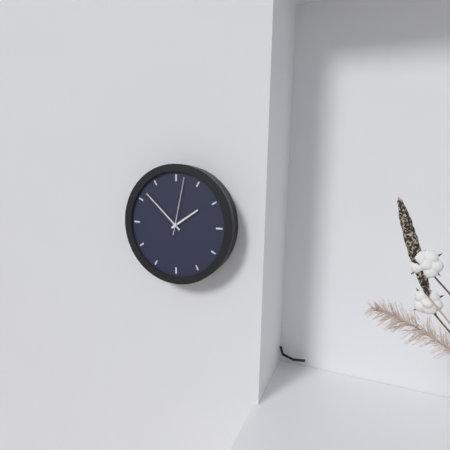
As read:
1:52:02
